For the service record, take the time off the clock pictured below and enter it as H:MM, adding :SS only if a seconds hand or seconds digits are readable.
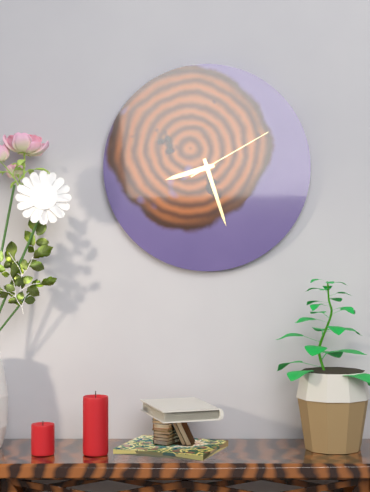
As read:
8:27:10
